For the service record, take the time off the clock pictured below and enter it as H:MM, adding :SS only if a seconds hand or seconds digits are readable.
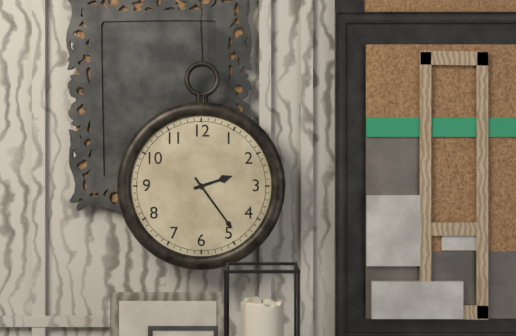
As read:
2:24
